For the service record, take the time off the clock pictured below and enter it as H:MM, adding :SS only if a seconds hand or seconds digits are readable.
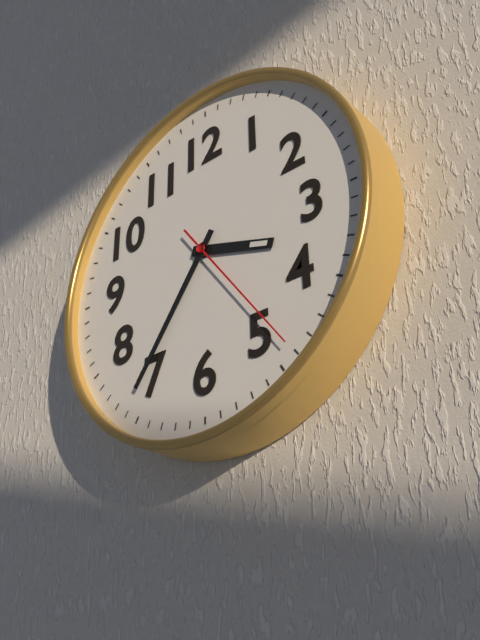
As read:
3:36:24
